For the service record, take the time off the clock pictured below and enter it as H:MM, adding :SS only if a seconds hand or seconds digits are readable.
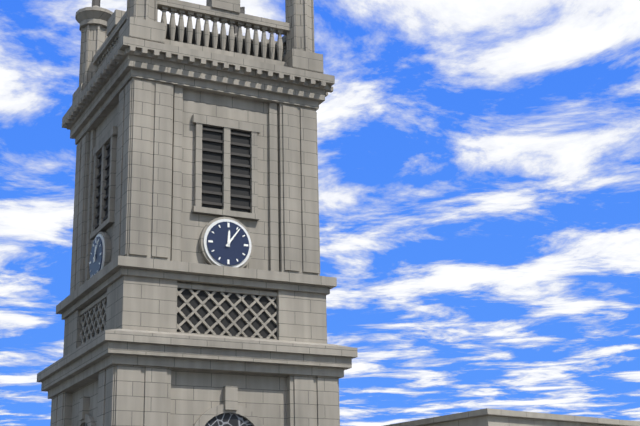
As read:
12:06
